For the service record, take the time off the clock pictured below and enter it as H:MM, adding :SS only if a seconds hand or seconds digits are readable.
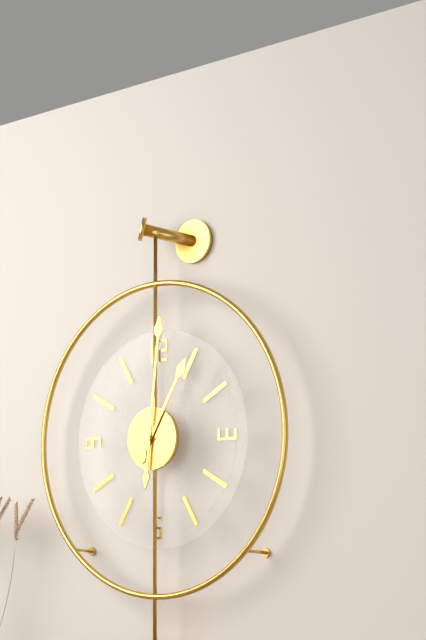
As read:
1:01
